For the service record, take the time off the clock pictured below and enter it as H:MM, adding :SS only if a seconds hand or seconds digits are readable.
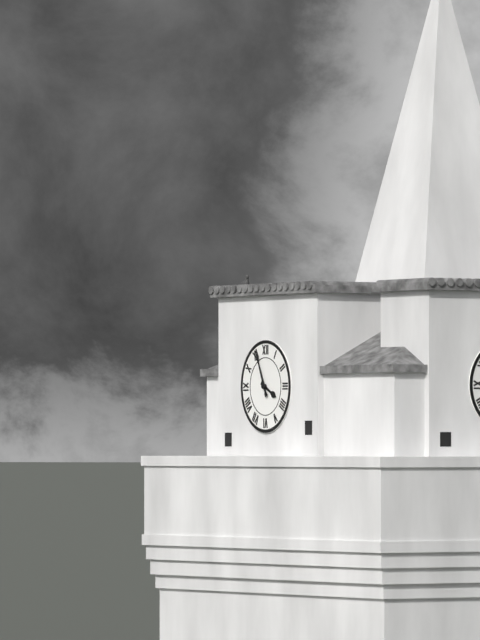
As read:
3:56
